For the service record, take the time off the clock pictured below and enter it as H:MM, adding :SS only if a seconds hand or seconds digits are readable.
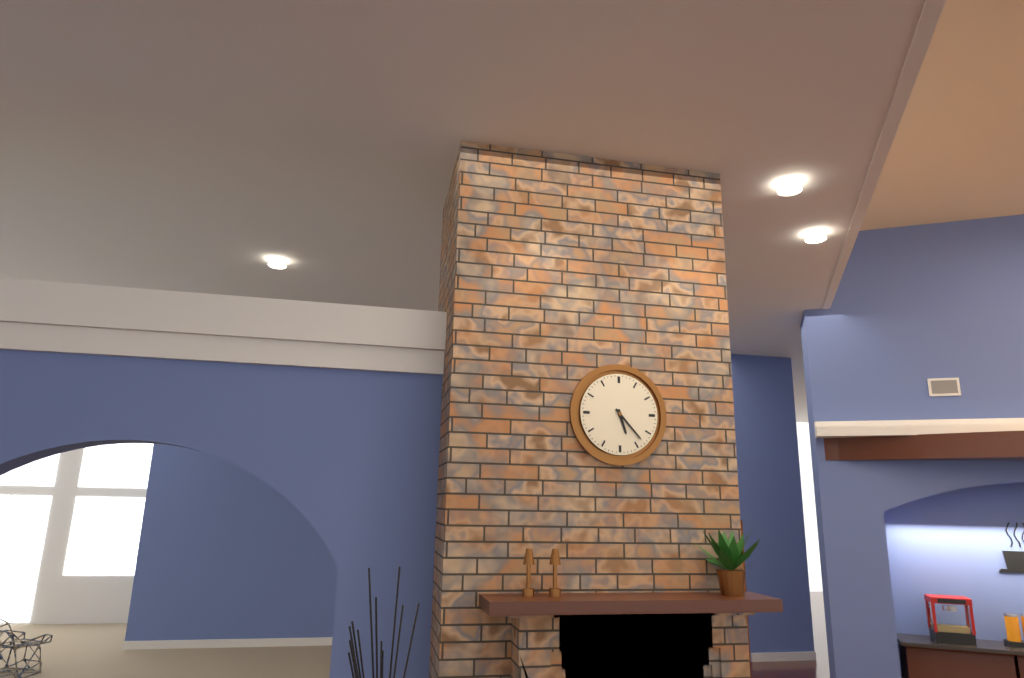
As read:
5:23
